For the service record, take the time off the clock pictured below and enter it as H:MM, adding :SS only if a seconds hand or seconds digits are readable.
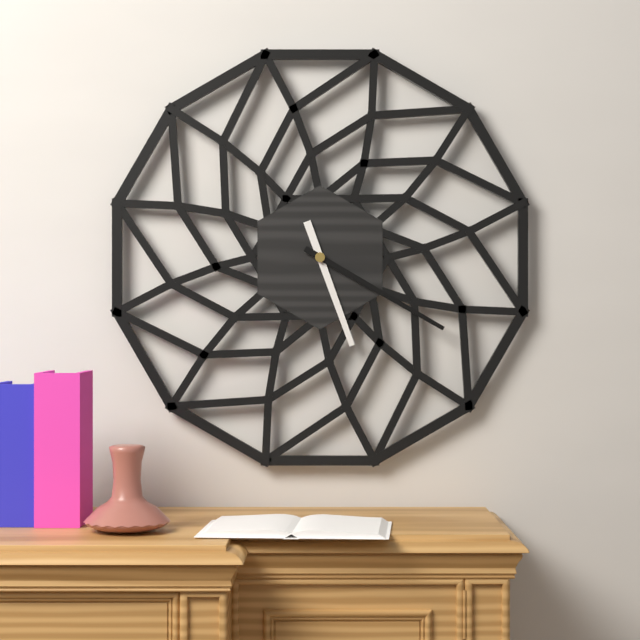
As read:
5:20
